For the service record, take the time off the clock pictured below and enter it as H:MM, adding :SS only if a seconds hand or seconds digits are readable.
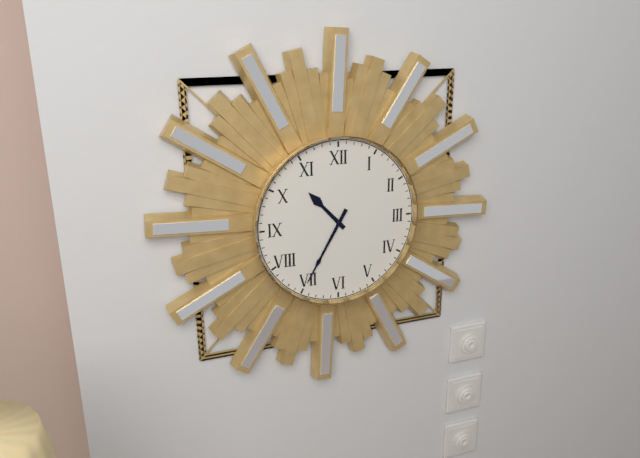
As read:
10:35
